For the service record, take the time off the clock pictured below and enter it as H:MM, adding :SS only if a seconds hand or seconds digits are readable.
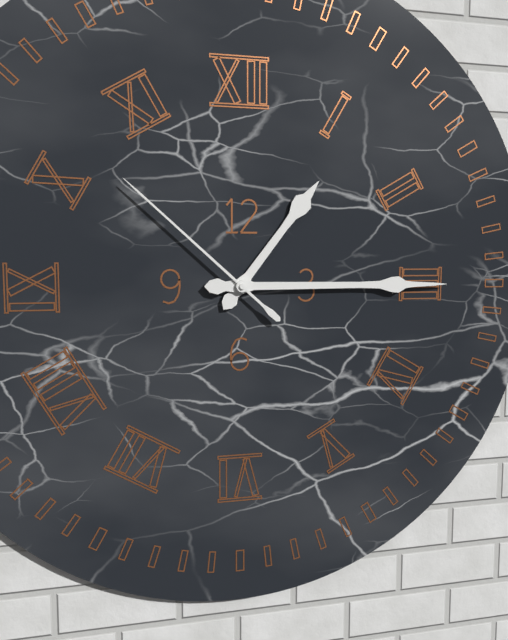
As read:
1:15:52
